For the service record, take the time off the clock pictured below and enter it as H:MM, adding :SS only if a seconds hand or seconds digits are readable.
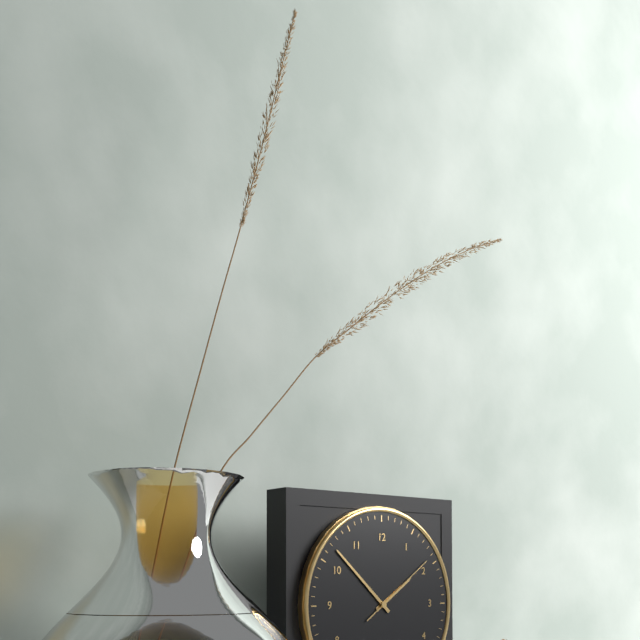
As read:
1:52:09
